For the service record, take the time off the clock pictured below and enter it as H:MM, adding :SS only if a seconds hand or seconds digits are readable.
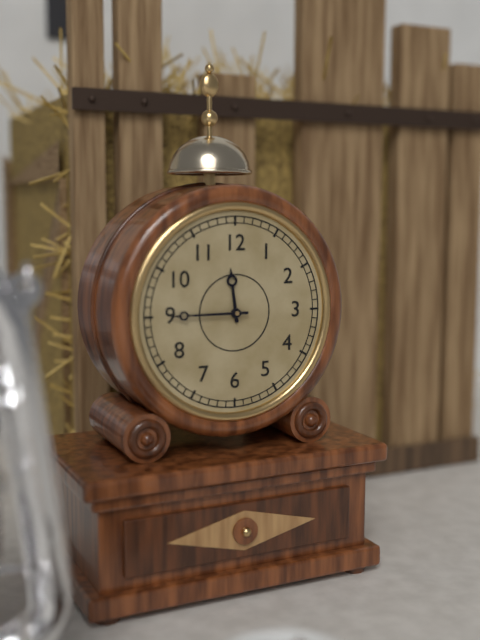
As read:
11:45
